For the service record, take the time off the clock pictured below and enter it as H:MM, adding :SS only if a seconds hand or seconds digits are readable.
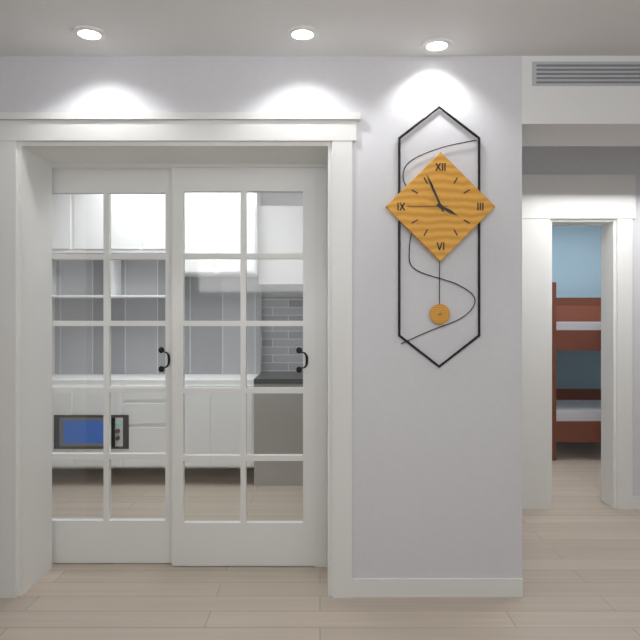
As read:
3:56
